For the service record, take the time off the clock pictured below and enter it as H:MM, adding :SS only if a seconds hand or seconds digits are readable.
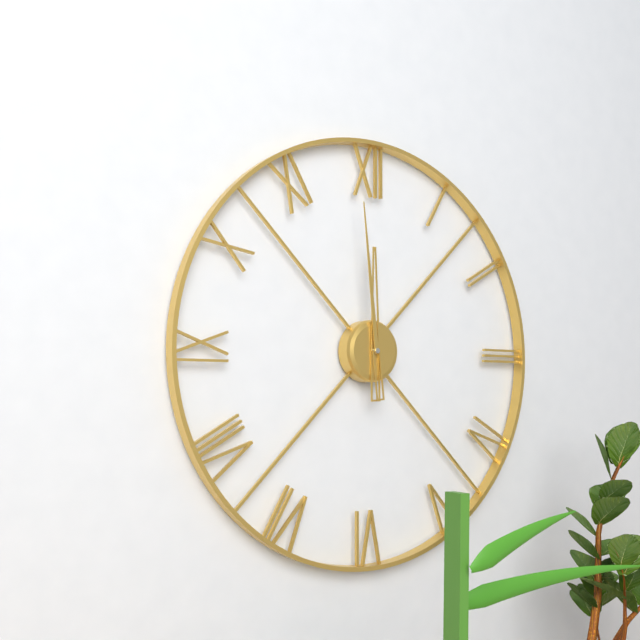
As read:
11:59
